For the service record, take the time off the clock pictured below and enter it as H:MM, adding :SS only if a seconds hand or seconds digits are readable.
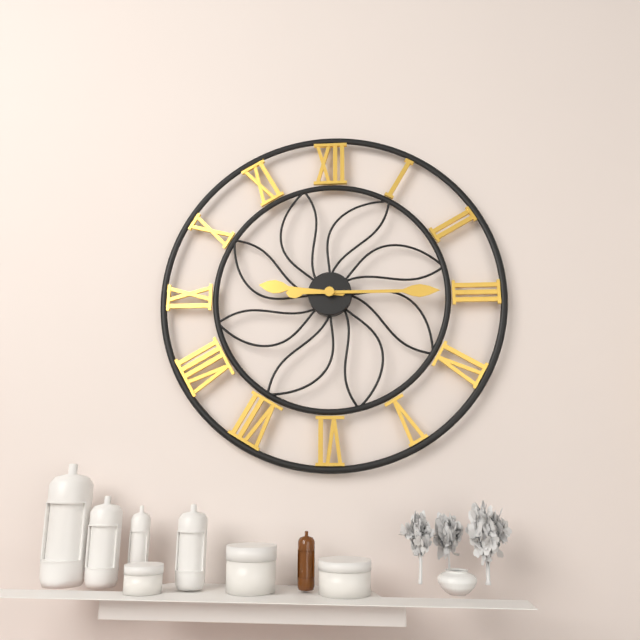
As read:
9:15
